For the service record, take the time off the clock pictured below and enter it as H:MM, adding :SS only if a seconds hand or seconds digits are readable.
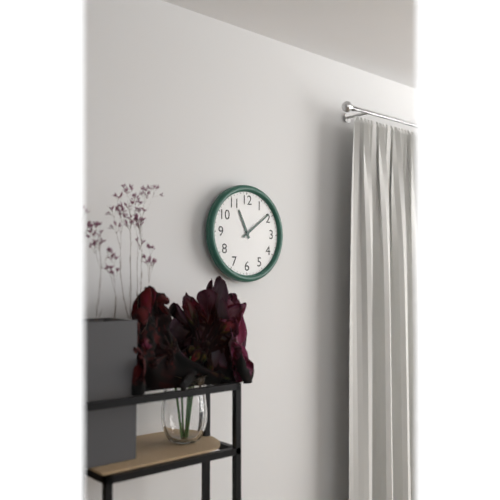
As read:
11:09
